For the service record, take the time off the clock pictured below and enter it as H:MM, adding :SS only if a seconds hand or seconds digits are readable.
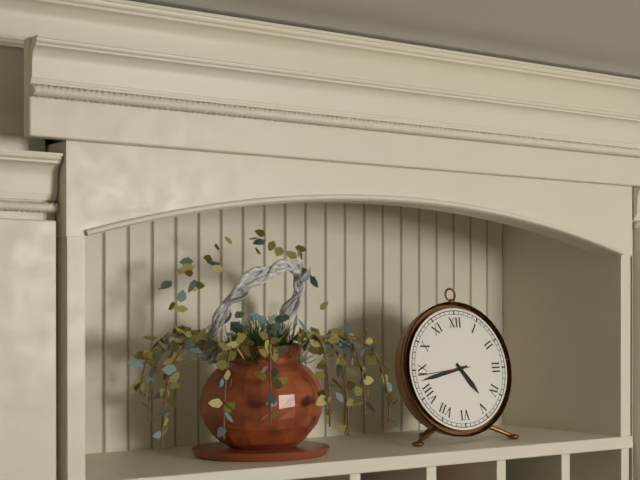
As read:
4:43:44
